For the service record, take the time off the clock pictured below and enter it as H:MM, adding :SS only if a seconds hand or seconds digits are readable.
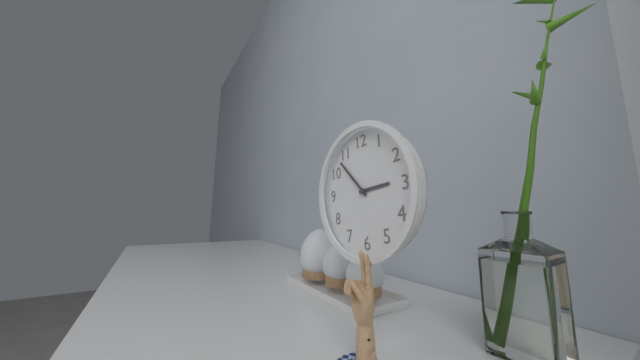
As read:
2:53
